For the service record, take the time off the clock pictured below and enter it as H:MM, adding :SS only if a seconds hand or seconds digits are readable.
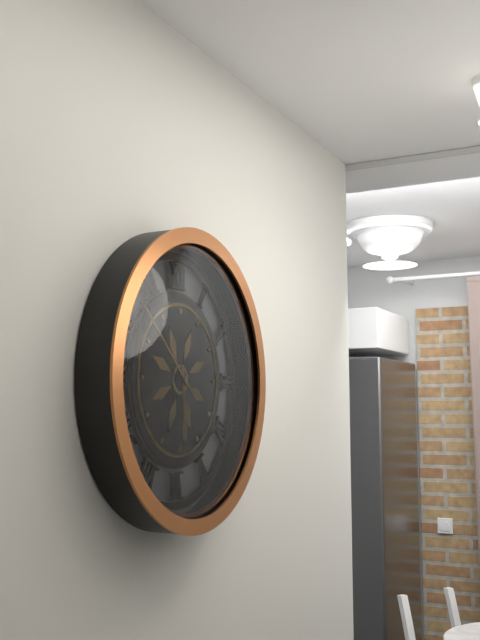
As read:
5:52
